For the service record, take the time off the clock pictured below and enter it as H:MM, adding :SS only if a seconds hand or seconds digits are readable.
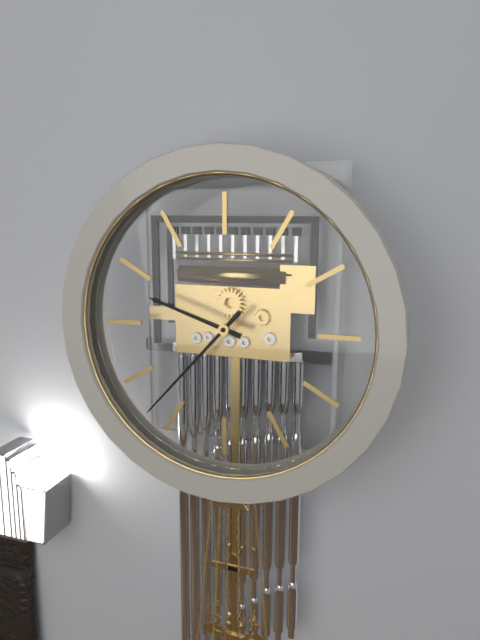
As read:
9:37
